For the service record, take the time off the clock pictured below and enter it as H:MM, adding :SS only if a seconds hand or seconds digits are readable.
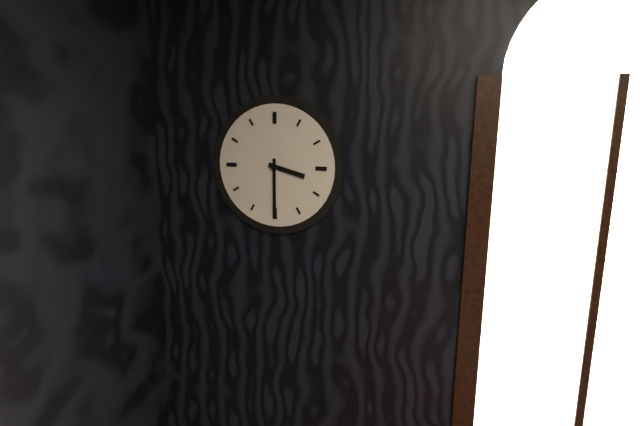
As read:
3:30
